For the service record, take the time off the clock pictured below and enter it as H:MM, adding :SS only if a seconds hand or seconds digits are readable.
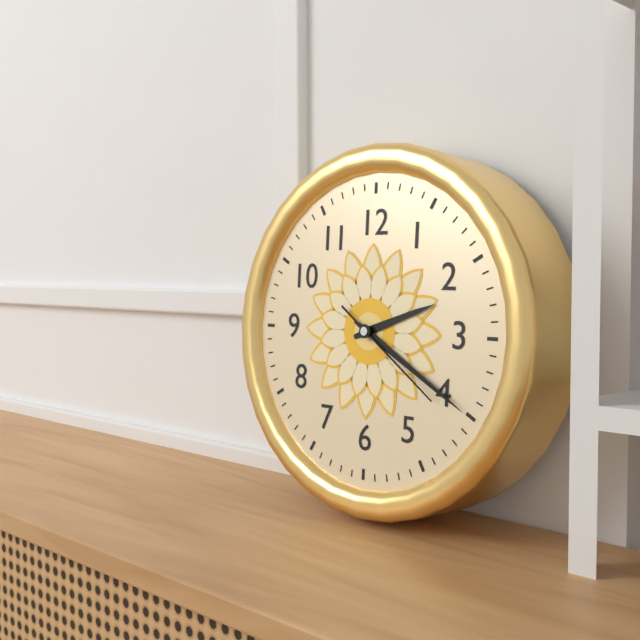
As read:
2:20:21
